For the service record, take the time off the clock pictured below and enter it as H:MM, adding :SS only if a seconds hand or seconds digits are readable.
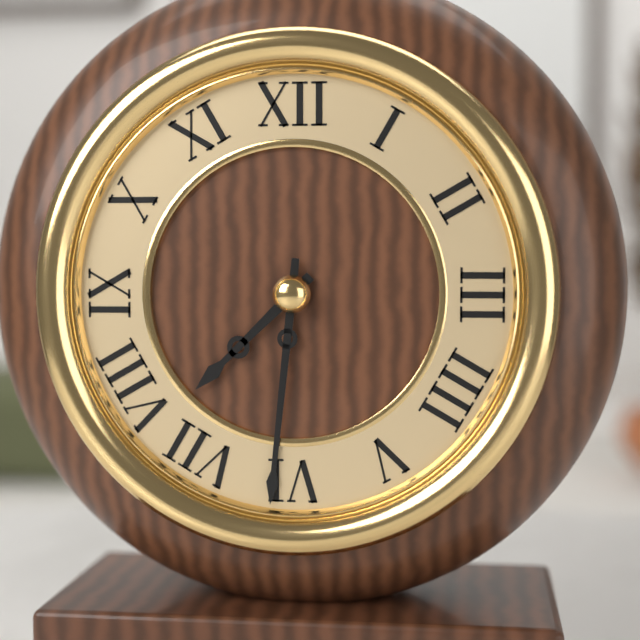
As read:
7:31
